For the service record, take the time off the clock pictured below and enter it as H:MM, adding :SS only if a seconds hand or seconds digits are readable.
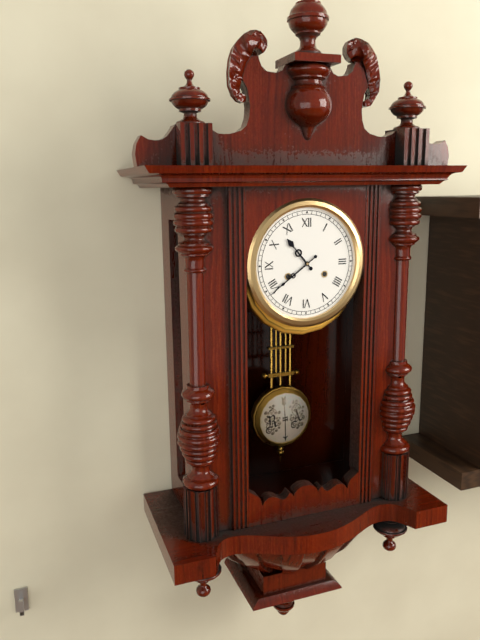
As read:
10:39
